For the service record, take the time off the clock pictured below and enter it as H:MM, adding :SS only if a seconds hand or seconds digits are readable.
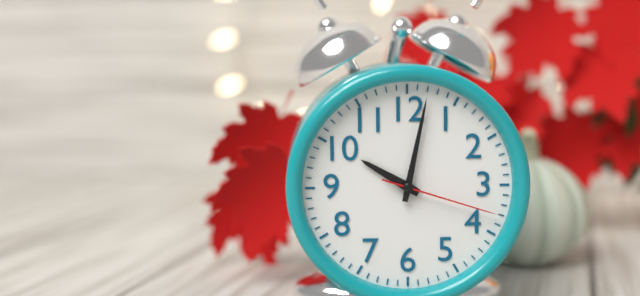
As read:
10:02:18
